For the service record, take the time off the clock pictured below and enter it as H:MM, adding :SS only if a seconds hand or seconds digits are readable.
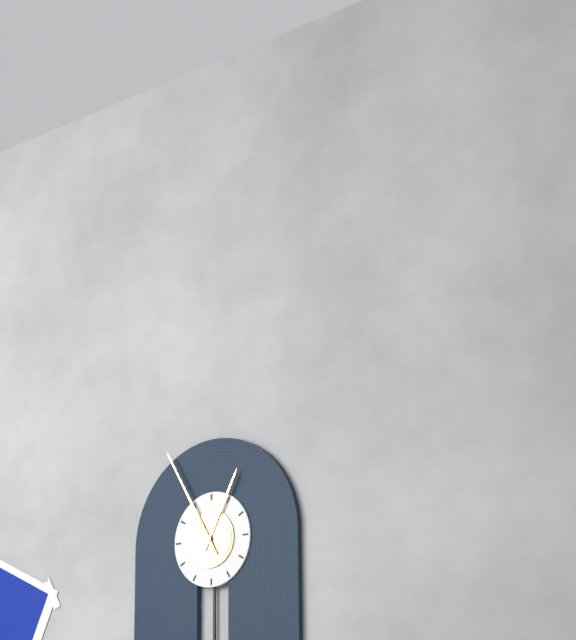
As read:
12:55
